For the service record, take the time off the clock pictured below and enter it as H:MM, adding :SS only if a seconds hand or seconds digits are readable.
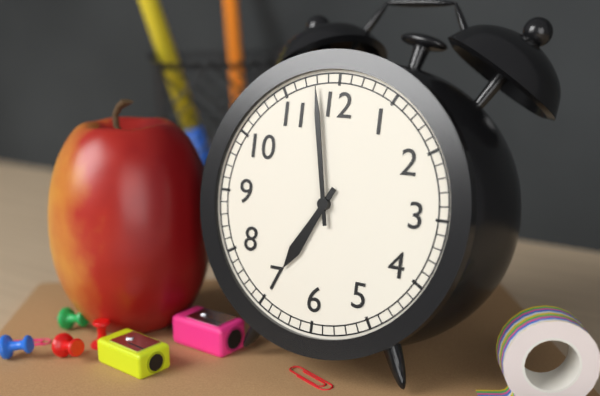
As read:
6:58
